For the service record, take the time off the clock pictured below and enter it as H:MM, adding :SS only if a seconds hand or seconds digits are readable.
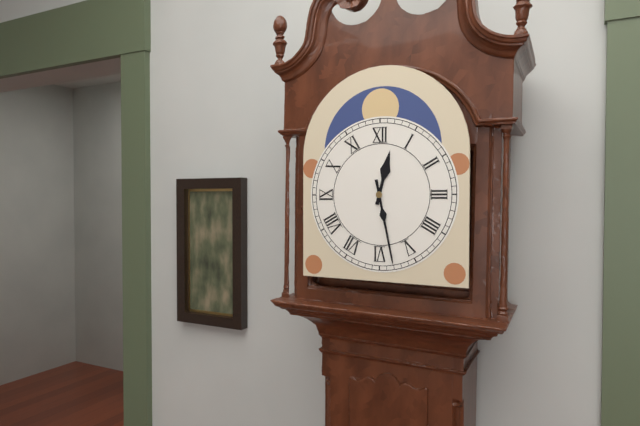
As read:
12:28
